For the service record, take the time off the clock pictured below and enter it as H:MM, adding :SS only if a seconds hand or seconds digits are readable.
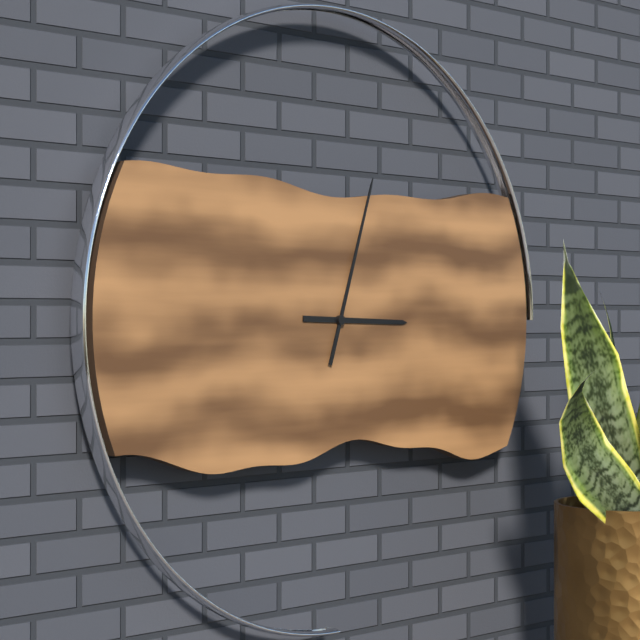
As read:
3:03
